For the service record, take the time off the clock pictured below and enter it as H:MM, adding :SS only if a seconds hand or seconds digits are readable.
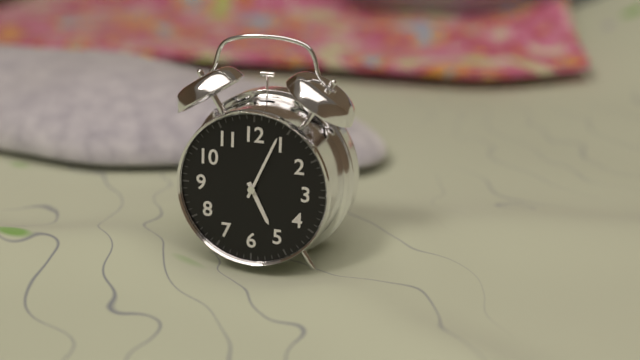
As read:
5:04
